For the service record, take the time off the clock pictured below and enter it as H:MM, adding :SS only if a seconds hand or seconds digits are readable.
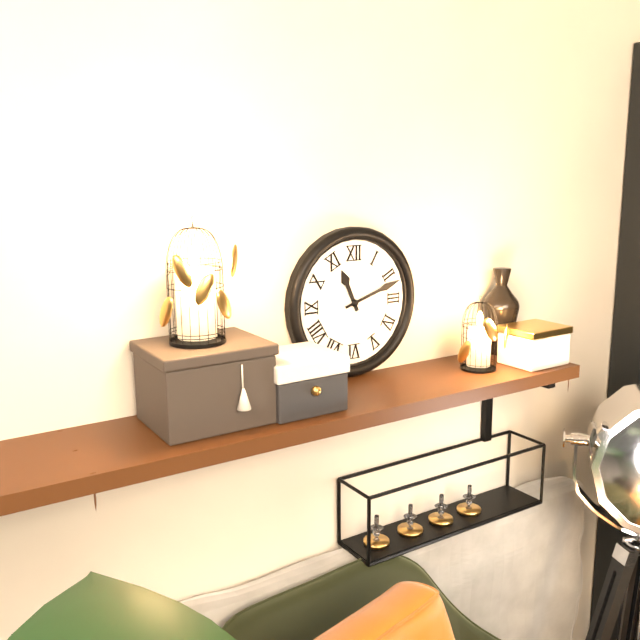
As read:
11:12
